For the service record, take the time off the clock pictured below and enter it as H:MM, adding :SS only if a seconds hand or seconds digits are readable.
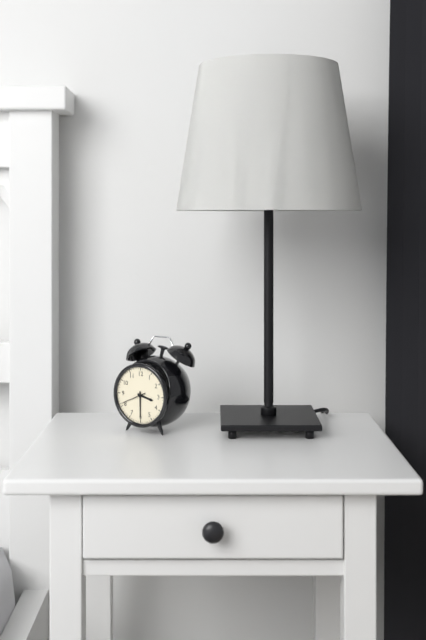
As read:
3:30
